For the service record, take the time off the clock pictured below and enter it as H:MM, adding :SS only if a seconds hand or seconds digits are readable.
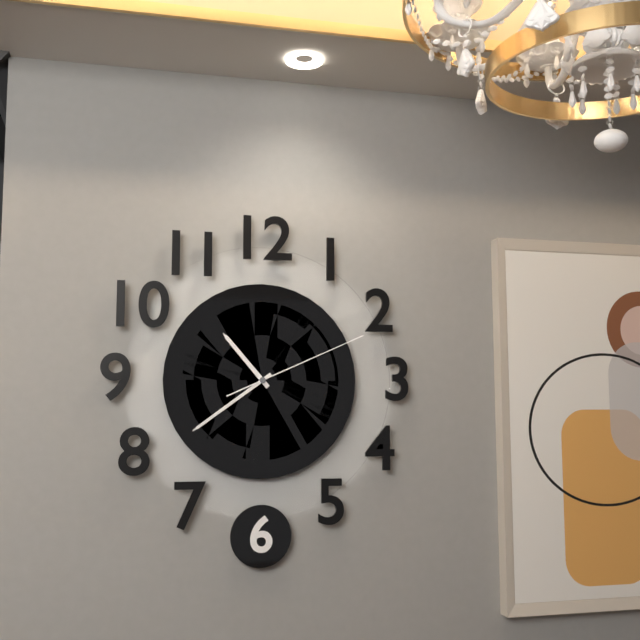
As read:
10:39:11
